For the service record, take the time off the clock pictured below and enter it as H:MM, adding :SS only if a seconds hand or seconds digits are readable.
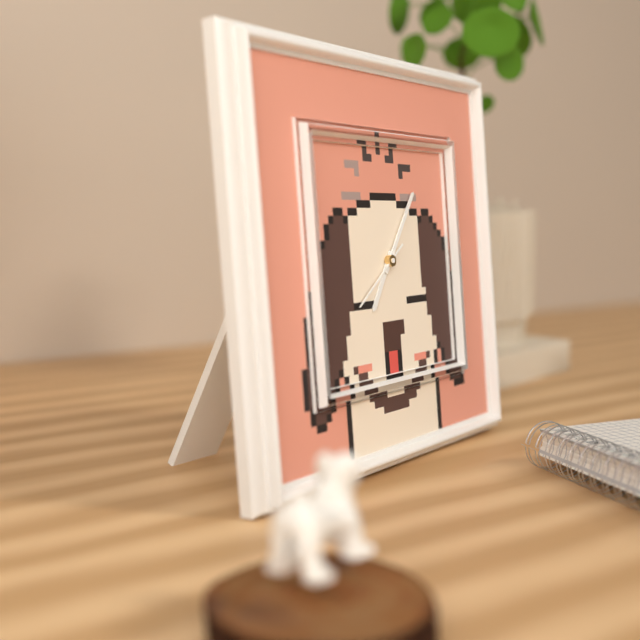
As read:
7:06:39
